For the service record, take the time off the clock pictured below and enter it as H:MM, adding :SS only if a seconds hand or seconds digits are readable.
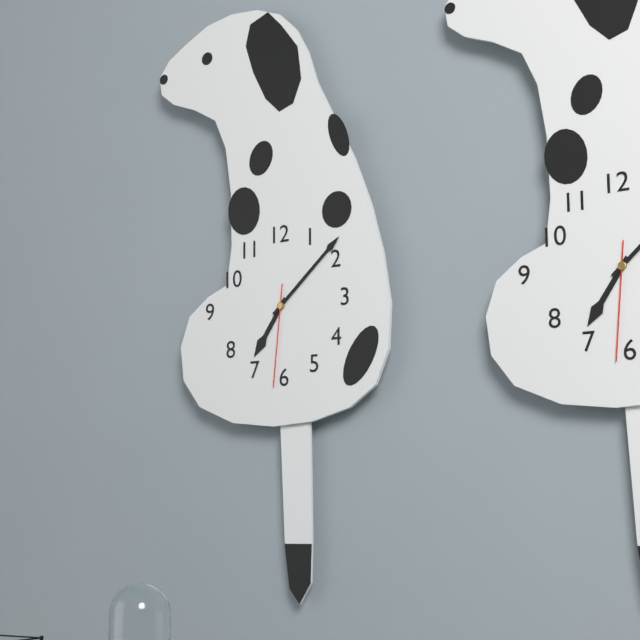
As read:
7:08:31
